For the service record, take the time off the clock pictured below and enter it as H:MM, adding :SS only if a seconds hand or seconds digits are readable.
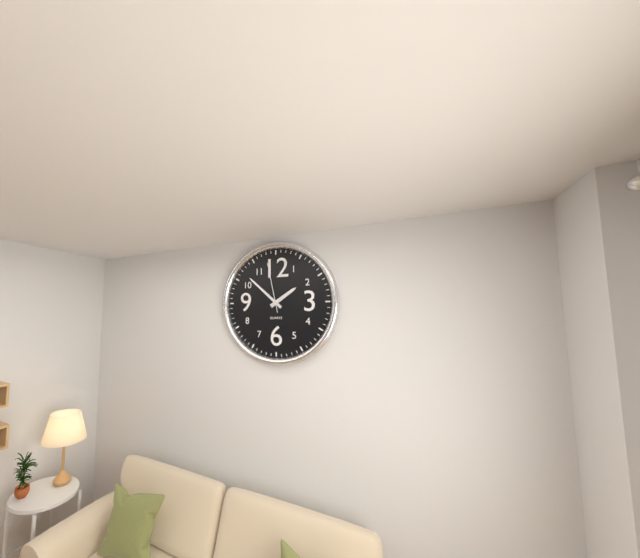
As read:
1:52:58
